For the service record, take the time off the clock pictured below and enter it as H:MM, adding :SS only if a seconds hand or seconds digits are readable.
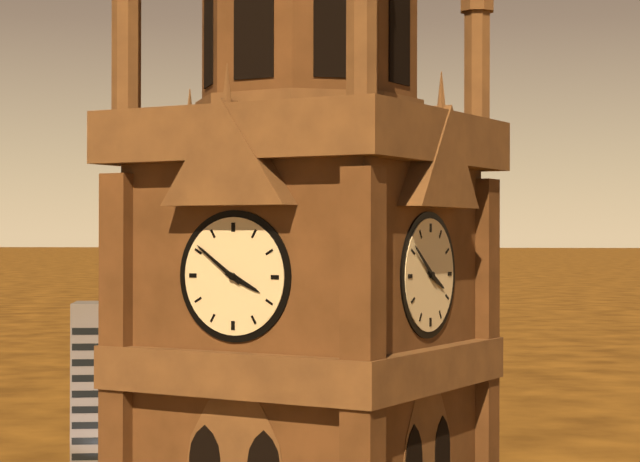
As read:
3:51
